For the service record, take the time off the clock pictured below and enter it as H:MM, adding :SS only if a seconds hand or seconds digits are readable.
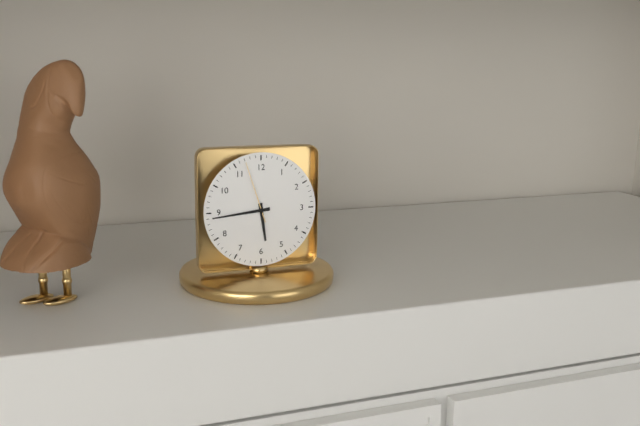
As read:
5:44:57
